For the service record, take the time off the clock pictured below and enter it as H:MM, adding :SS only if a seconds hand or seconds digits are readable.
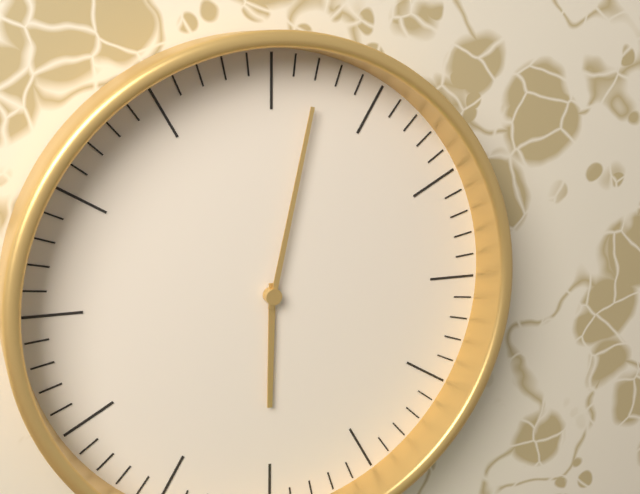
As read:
6:02
